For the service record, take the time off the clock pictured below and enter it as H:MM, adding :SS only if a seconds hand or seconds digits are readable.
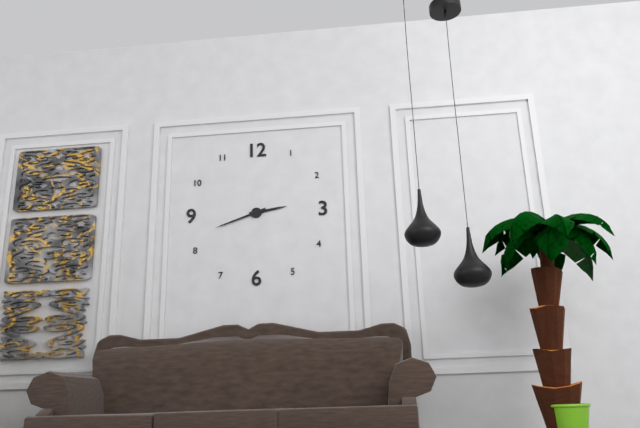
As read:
2:42
